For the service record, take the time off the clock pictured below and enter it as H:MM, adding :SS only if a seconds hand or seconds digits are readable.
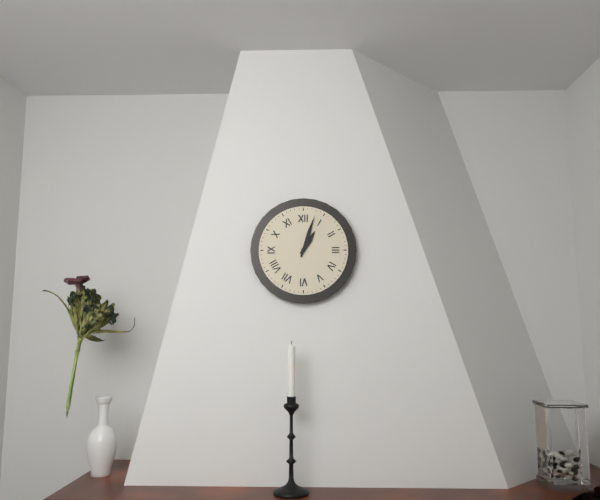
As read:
1:03
